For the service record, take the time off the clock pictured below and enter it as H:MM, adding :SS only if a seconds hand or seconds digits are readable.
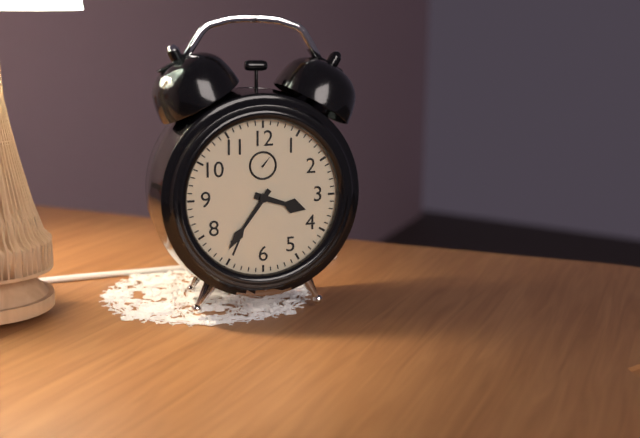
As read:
3:36
